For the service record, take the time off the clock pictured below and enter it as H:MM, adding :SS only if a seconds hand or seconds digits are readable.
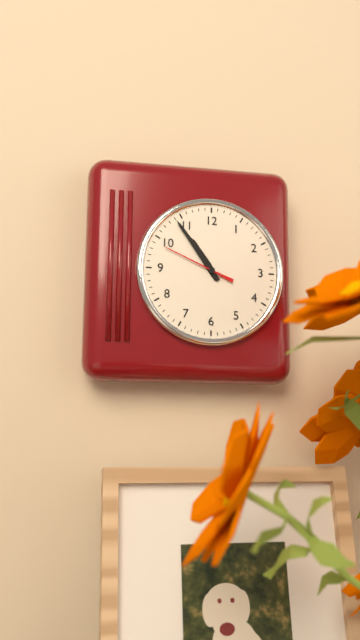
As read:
10:54:49
